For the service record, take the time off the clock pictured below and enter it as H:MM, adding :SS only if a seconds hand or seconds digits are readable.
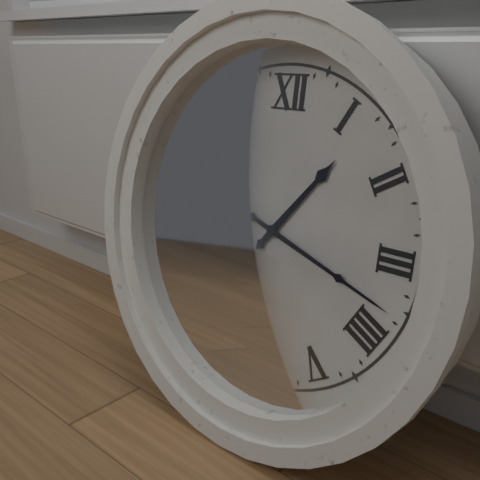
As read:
1:18
